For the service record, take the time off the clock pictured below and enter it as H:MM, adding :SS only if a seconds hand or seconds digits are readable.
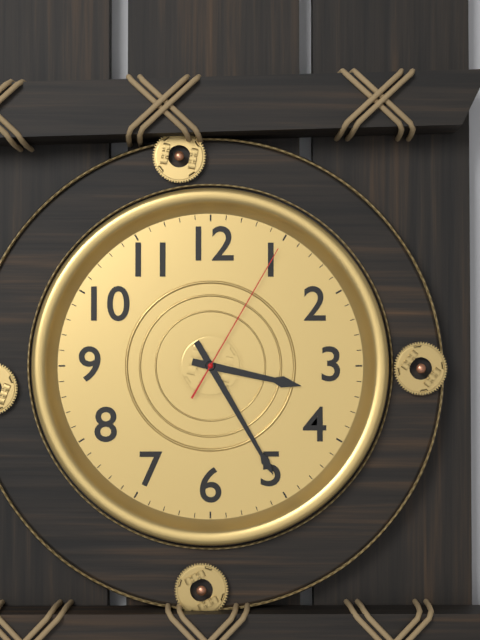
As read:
3:25:05
